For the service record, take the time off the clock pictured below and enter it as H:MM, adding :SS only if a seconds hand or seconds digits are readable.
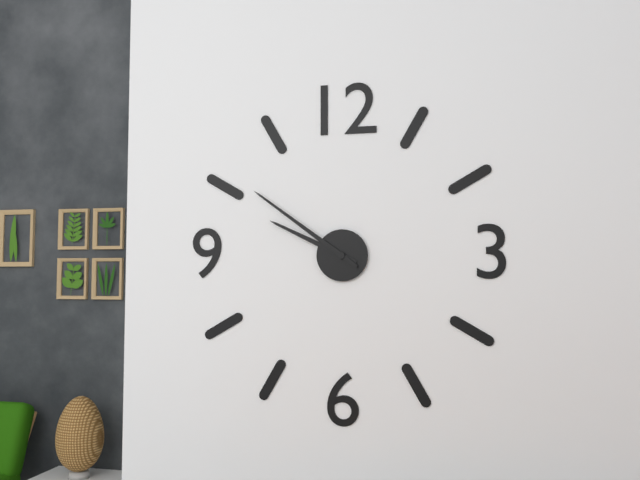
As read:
9:51
